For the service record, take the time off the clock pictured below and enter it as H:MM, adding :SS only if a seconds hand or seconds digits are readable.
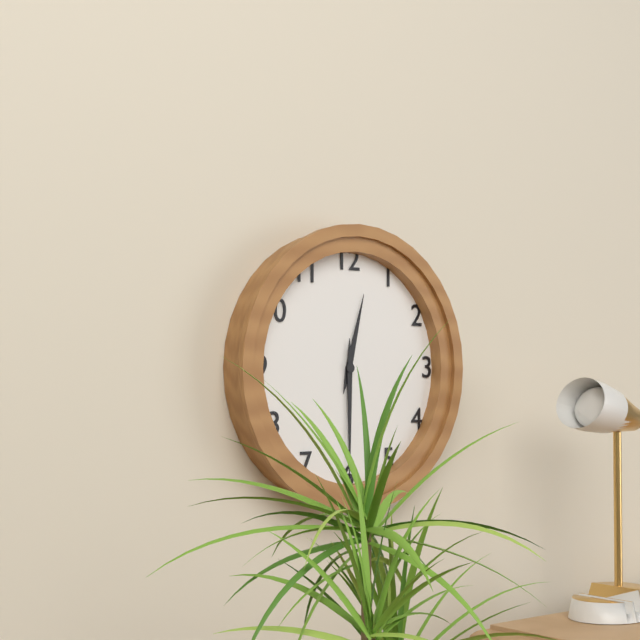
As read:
12:30
